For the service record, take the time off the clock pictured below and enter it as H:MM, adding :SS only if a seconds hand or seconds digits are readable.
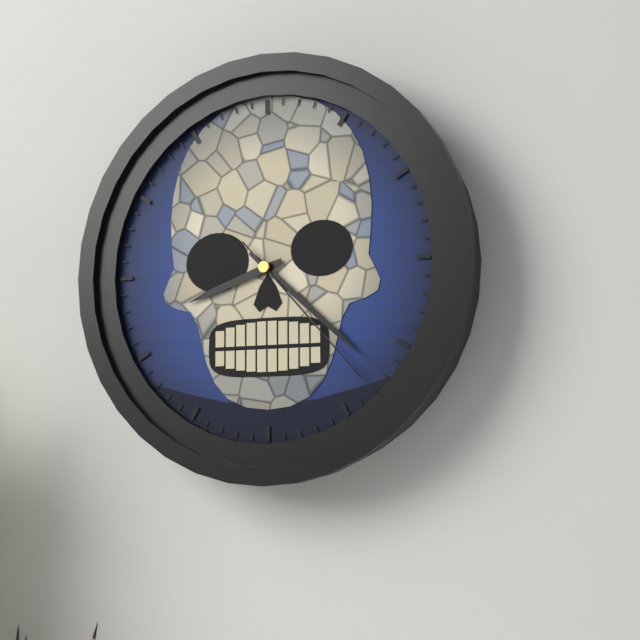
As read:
8:22:23
